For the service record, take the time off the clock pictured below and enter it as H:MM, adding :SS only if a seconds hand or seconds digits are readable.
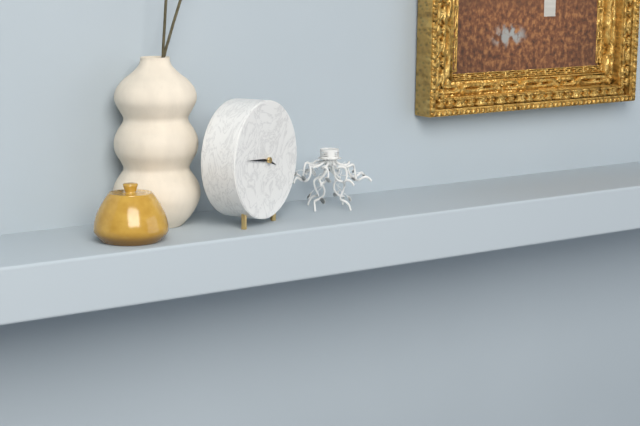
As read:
3:46
